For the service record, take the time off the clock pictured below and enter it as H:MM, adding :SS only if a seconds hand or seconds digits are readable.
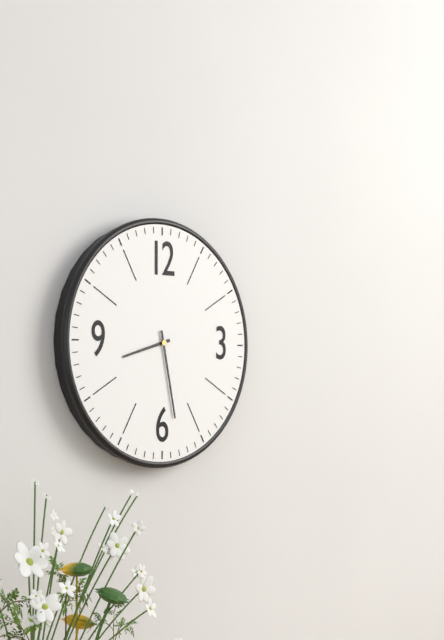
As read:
8:28
